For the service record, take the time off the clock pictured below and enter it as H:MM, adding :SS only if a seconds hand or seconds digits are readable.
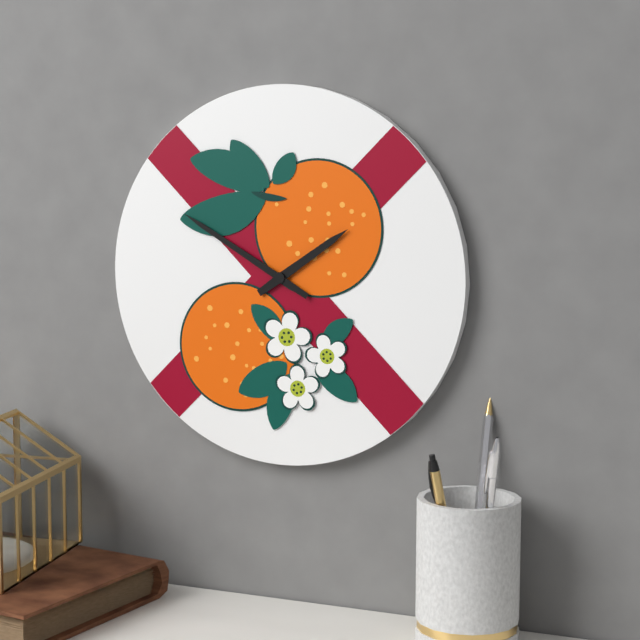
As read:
1:50
